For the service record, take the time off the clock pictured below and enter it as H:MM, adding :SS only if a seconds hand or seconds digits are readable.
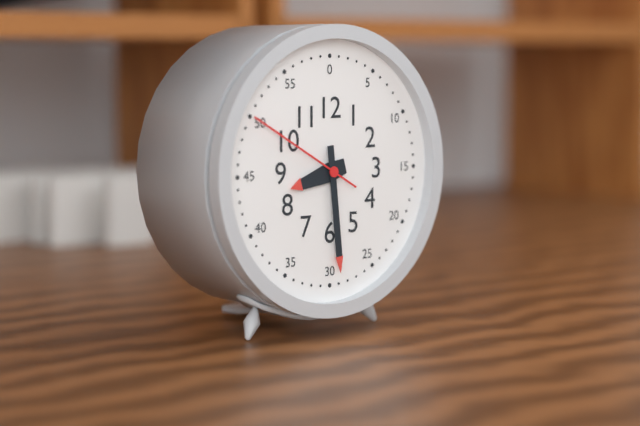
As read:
8:29:50
